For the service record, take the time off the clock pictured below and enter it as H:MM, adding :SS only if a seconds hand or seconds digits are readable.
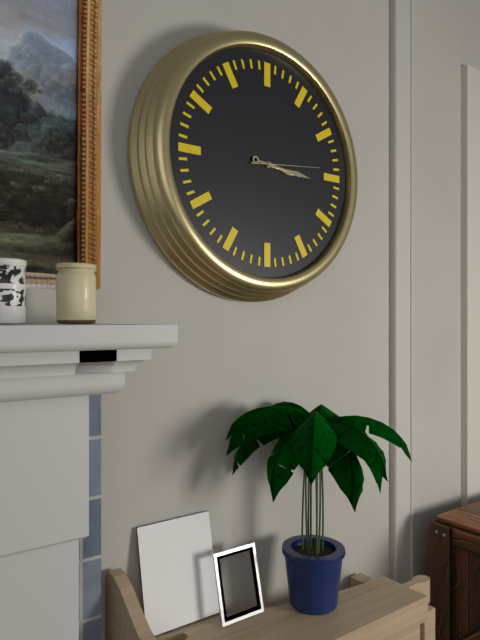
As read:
3:16:14
